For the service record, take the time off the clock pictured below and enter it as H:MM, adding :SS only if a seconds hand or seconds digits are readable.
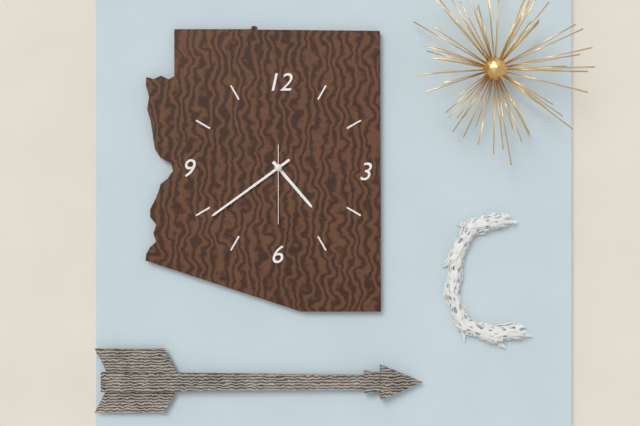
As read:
4:39:30
